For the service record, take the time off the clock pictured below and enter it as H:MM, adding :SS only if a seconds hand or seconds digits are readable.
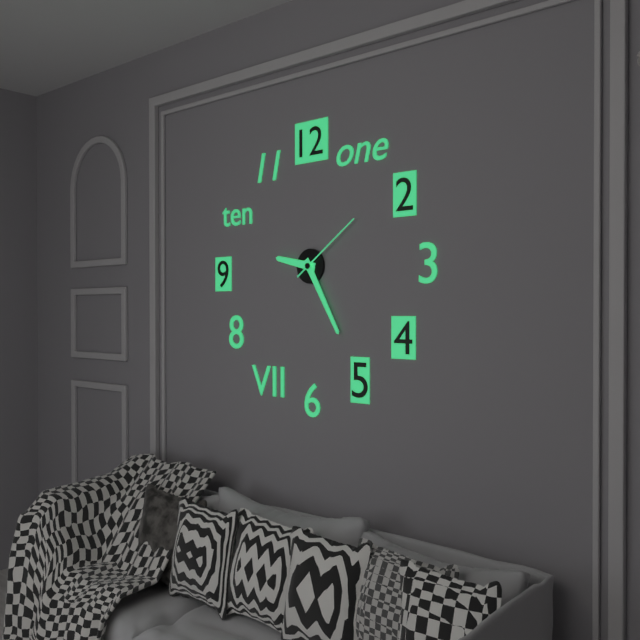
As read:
9:25:09
